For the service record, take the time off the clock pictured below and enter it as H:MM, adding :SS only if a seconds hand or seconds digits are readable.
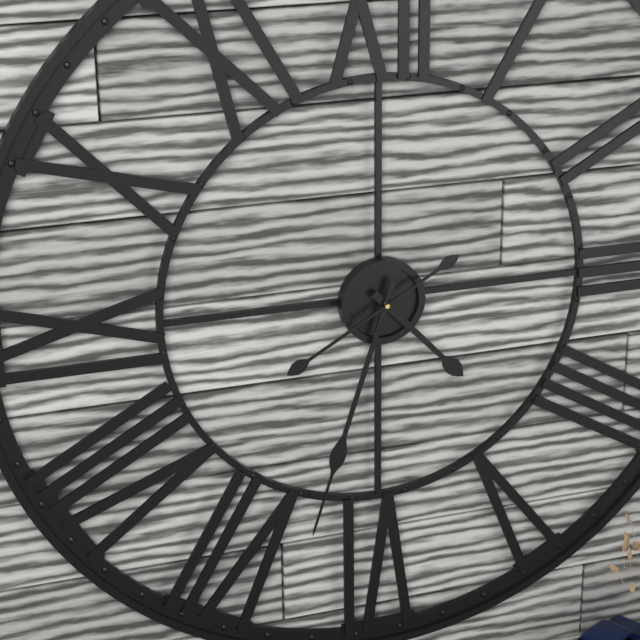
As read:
4:33:40
